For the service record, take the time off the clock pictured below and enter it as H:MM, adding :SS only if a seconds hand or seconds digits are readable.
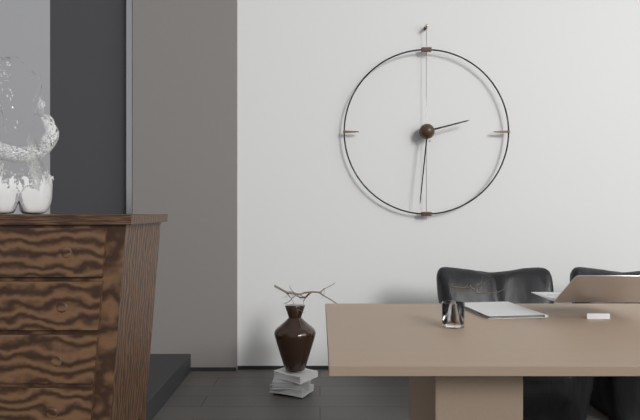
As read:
2:31
